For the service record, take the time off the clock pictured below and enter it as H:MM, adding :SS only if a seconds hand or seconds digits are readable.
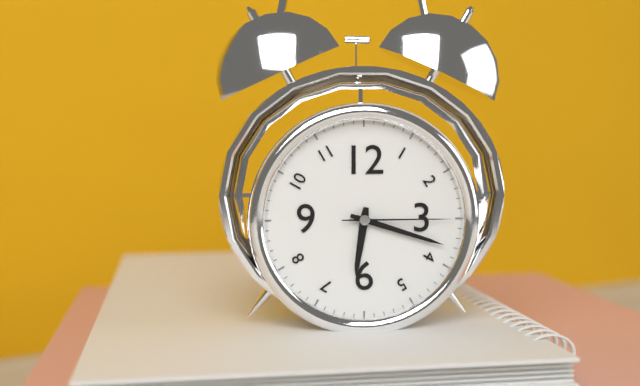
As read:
6:18:15
